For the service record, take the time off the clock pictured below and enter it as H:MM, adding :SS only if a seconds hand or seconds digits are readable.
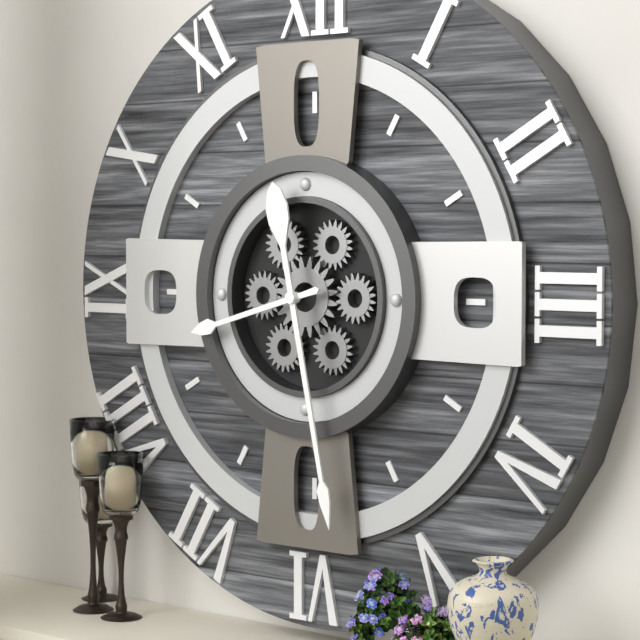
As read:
8:28
